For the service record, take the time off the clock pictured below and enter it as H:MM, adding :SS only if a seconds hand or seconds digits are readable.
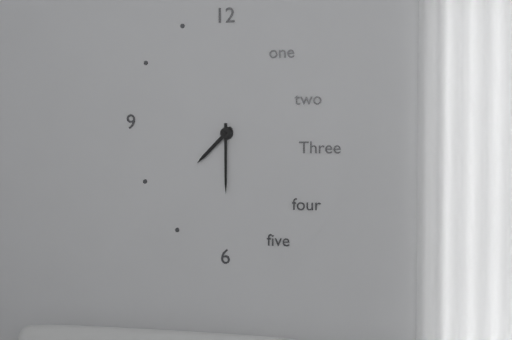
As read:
7:30
